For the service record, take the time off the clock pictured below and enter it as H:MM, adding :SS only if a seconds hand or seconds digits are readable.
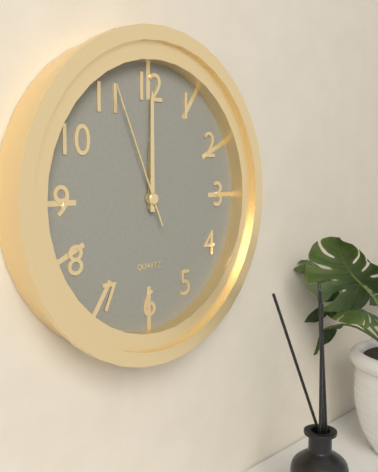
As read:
12:00:56
